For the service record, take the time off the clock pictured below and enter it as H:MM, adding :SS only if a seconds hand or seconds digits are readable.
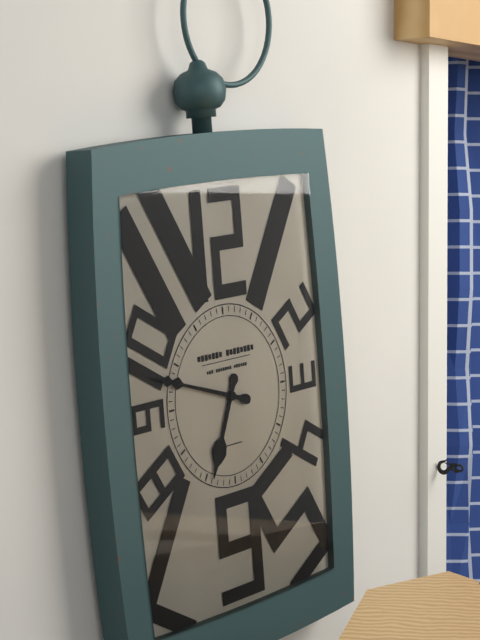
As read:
6:48
